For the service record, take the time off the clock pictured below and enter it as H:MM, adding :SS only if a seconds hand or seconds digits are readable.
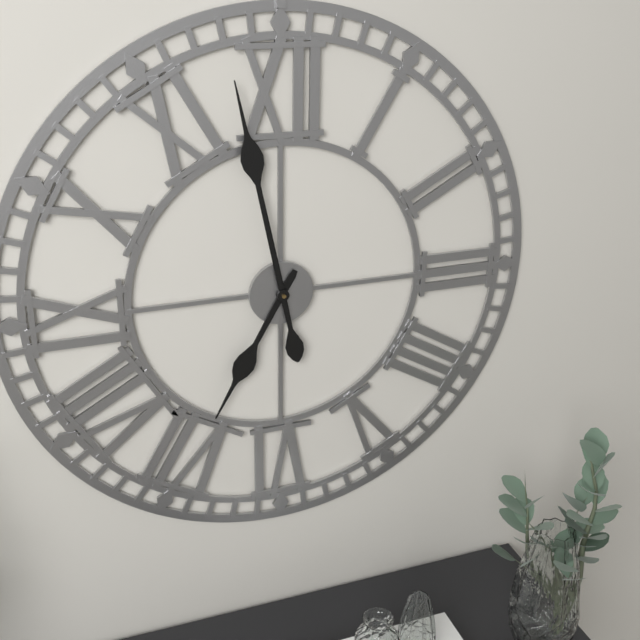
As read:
6:58
